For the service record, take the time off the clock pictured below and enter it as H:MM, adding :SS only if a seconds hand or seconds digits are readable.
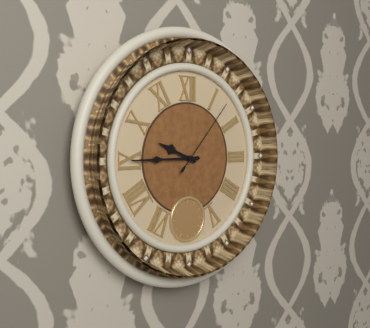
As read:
9:45:07
